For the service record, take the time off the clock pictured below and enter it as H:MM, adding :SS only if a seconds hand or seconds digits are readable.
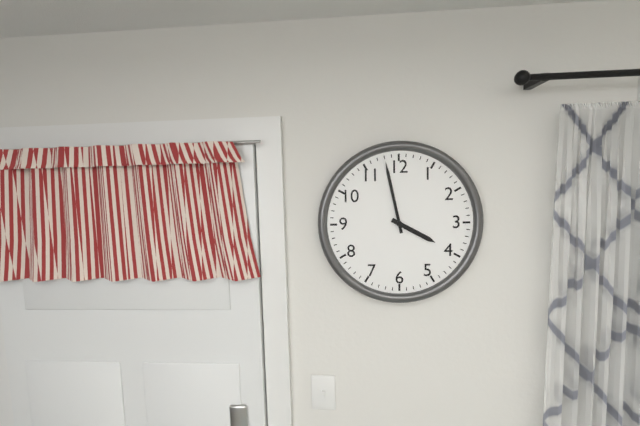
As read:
3:58
